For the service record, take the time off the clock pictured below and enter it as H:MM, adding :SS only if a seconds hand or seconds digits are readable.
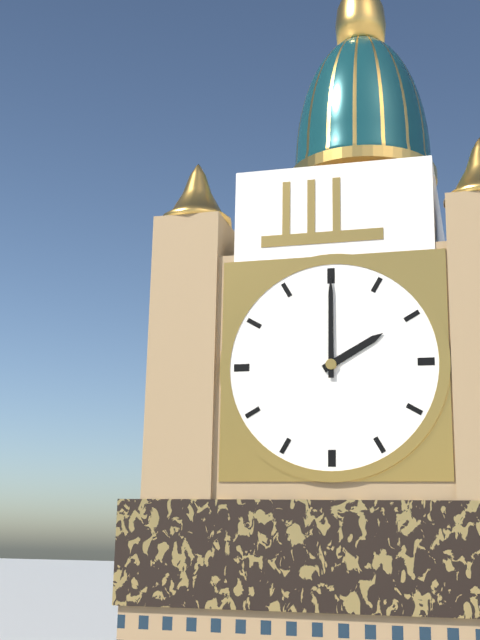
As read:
2:00
